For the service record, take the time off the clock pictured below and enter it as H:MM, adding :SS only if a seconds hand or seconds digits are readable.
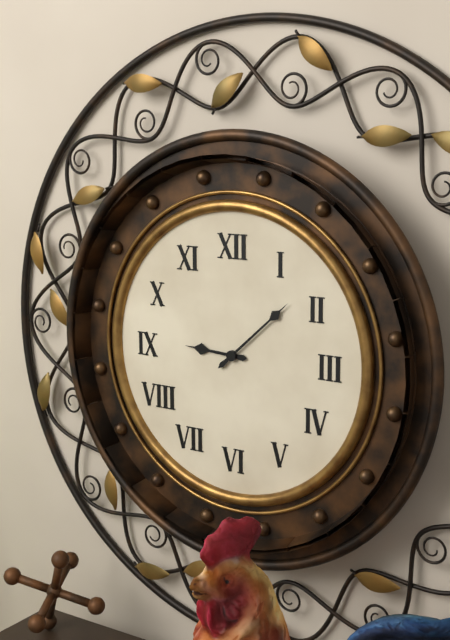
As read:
9:08
